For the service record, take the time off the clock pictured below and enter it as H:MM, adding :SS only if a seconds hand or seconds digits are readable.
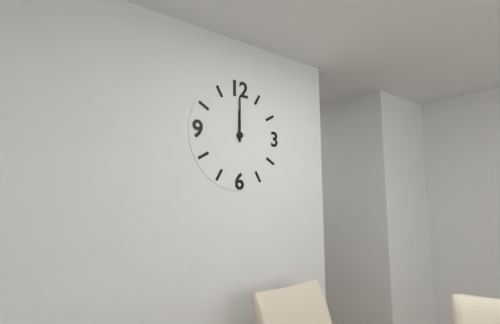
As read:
12:00
